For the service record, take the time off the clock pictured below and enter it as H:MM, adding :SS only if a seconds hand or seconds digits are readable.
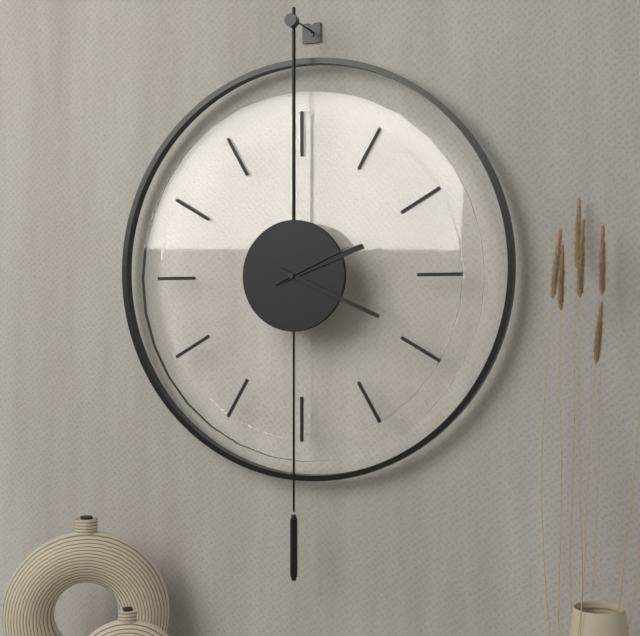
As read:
2:19:11
